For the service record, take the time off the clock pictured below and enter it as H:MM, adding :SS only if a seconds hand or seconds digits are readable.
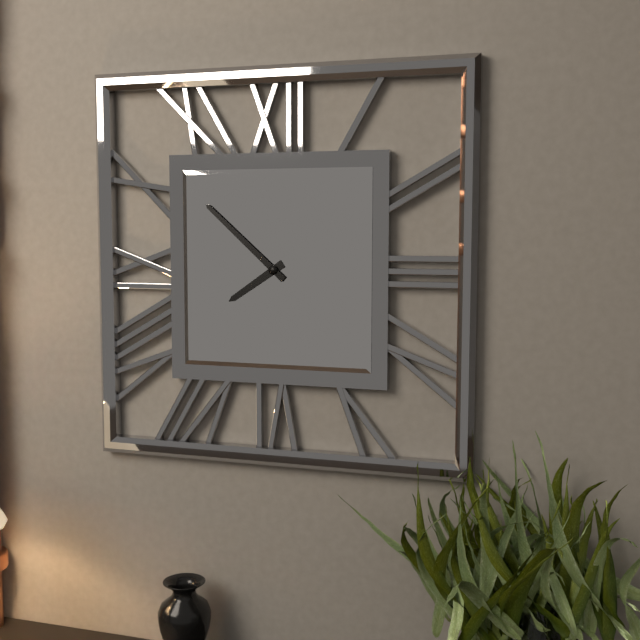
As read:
7:52
